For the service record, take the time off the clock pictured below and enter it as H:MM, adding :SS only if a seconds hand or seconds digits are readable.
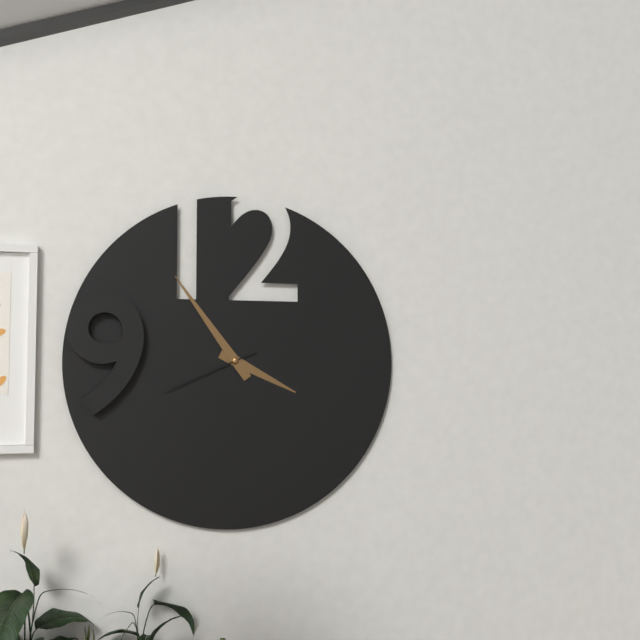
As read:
3:54:41
